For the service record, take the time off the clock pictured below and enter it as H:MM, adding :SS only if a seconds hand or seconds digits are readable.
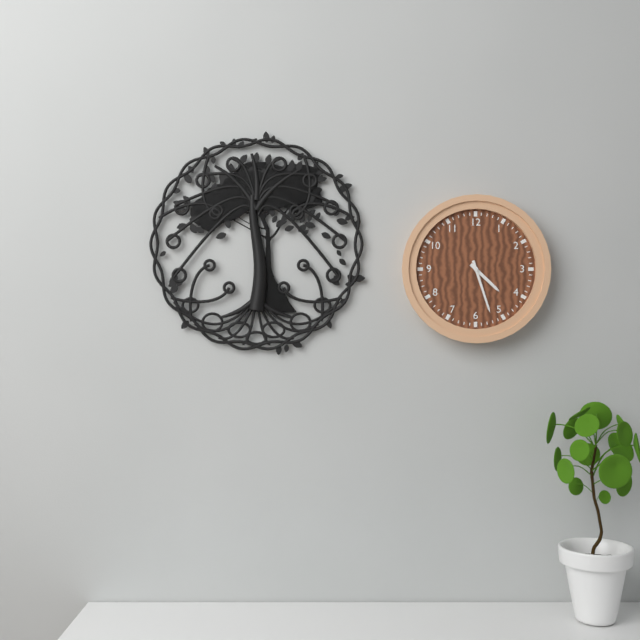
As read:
4:27
